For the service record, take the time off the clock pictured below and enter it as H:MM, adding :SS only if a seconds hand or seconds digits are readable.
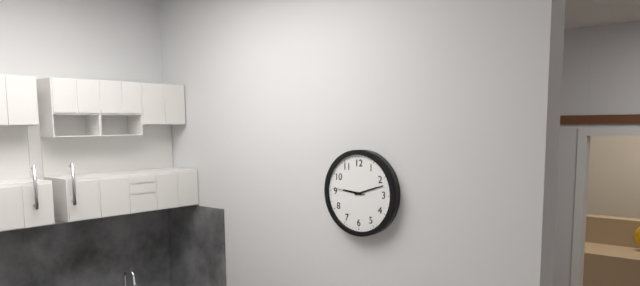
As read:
9:12
